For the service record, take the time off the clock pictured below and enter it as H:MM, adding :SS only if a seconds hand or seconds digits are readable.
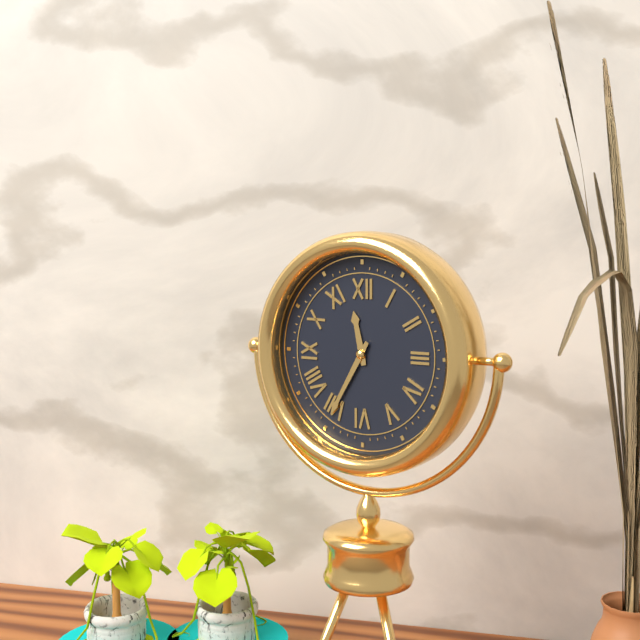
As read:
11:35
